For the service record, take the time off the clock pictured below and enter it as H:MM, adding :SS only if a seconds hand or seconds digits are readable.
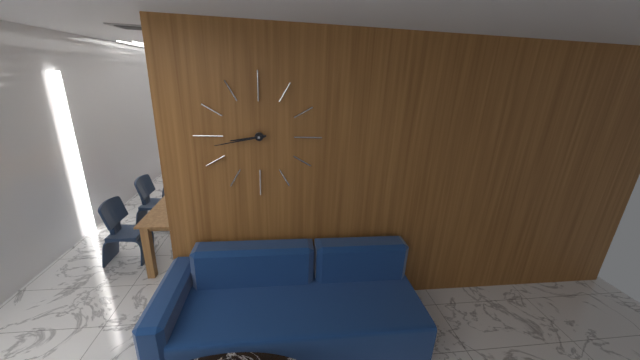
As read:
8:43
